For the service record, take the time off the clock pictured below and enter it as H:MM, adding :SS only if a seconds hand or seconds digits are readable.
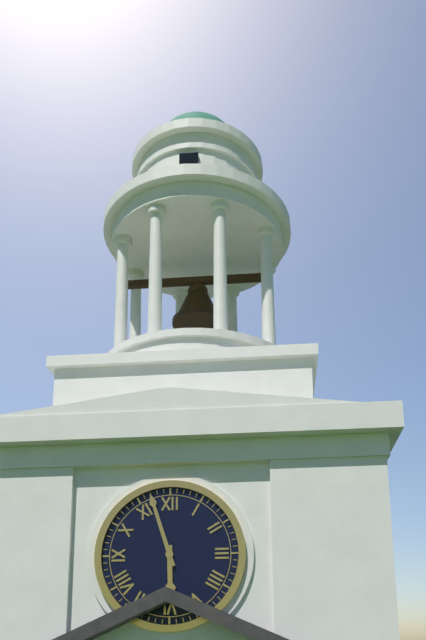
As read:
5:57
